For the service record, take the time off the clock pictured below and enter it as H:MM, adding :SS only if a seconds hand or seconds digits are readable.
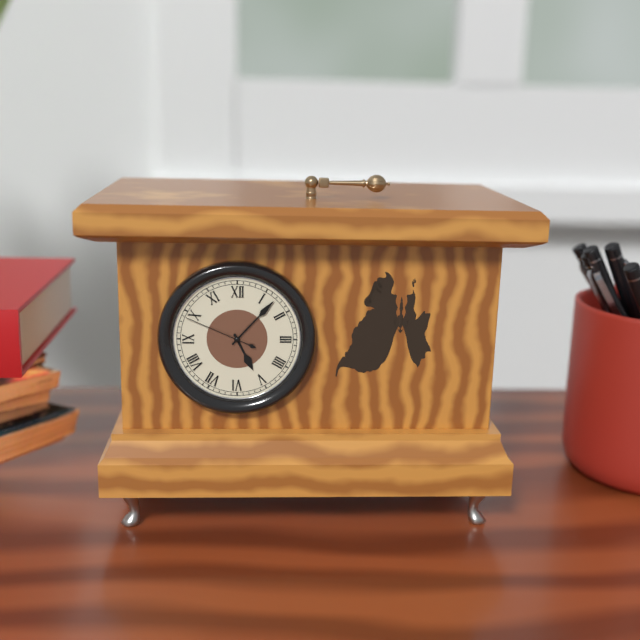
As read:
5:07:49
